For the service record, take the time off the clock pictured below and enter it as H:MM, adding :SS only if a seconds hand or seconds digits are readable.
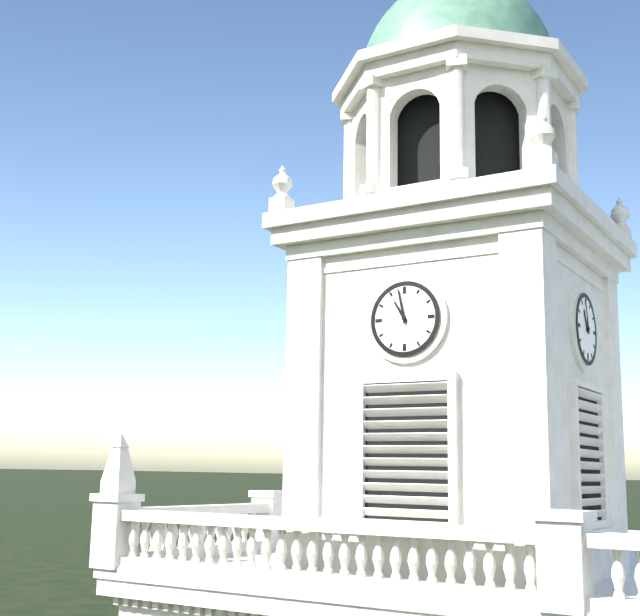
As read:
10:58
